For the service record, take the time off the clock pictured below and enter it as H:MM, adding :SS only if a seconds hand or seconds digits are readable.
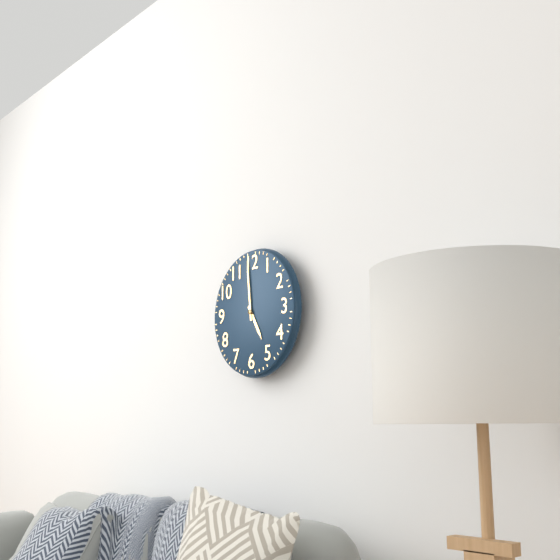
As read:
4:59
